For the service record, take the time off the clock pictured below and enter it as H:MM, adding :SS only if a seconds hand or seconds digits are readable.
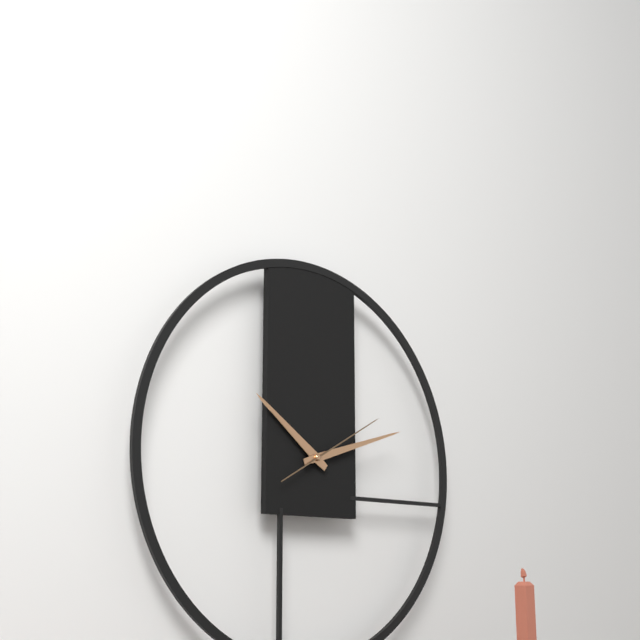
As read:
10:12:10
